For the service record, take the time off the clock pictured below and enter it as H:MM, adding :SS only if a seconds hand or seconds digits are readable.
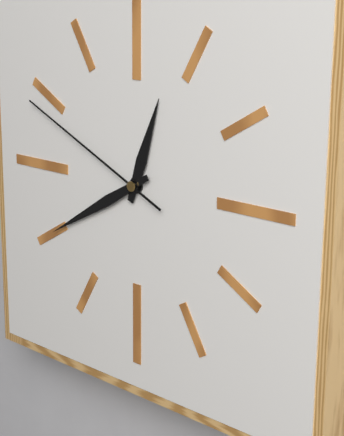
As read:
12:40:49
